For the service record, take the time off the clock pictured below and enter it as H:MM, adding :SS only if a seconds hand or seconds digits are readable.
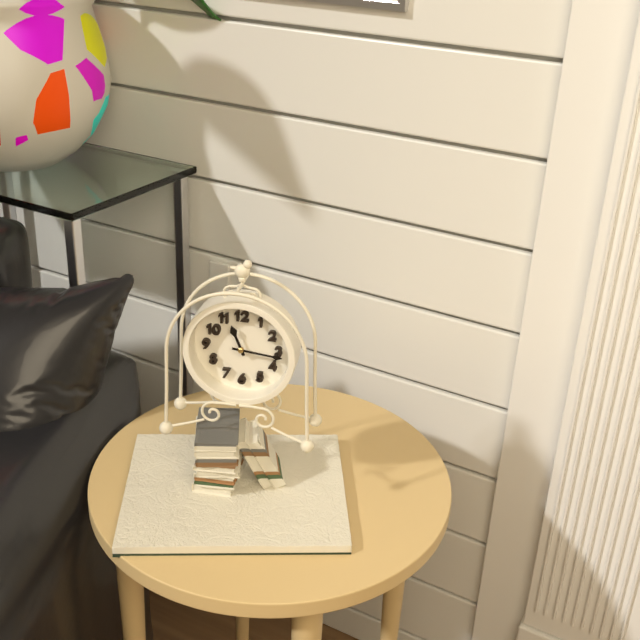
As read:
11:16
